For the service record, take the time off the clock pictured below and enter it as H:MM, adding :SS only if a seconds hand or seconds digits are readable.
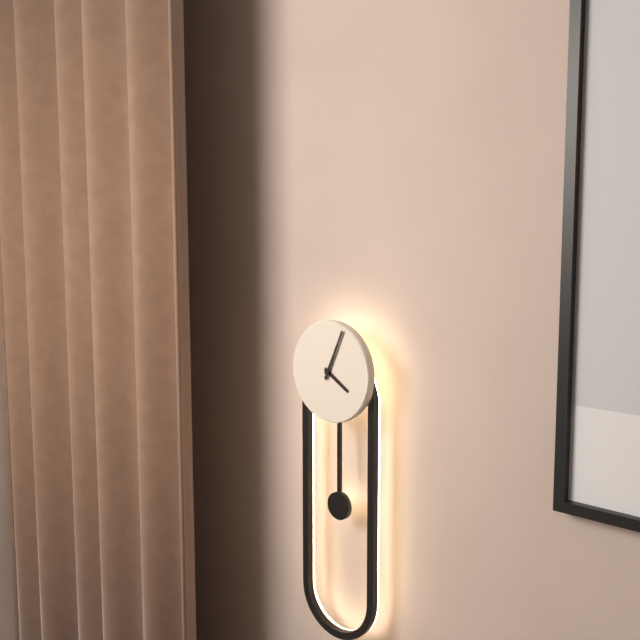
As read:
4:04
